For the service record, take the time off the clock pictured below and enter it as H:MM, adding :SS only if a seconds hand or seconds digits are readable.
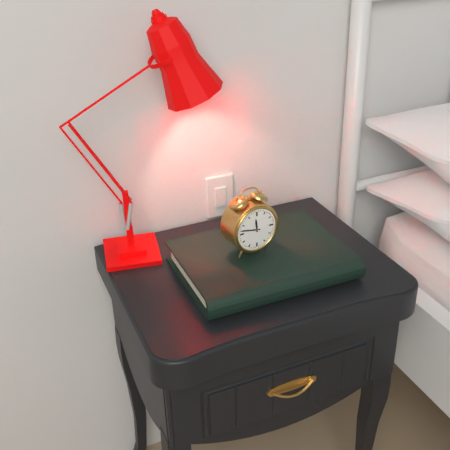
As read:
11:47
